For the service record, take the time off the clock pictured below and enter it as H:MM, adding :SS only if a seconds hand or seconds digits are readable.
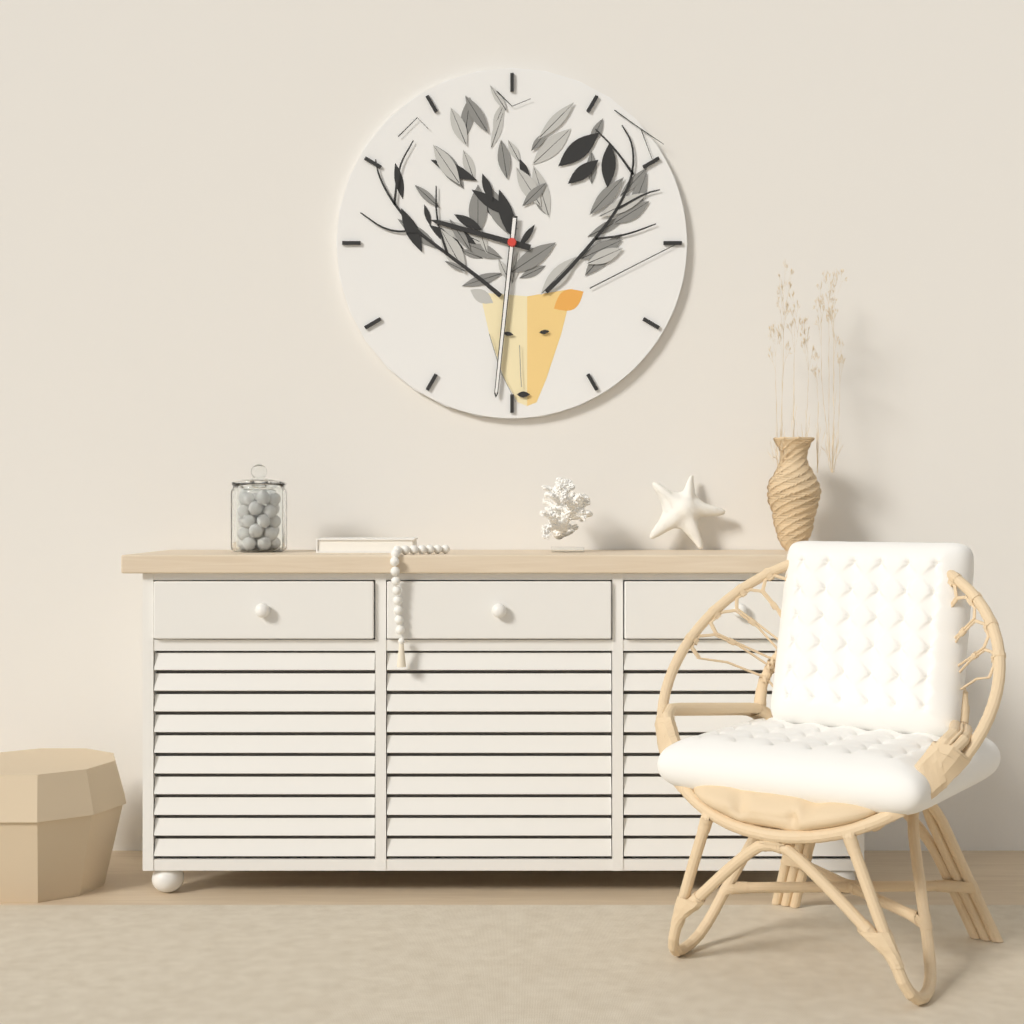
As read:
9:31
